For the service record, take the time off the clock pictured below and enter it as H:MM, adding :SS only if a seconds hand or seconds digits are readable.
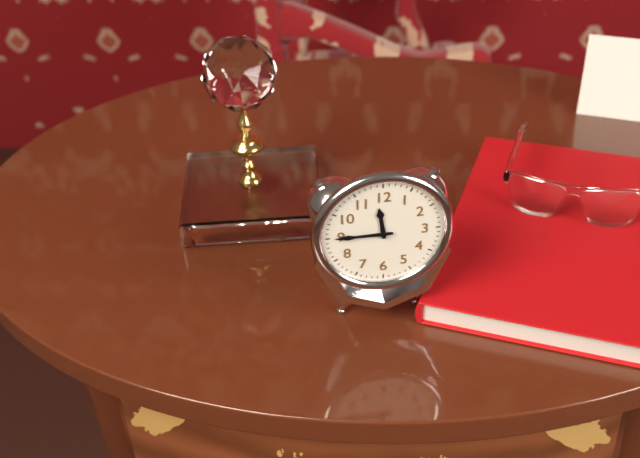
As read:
11:45
